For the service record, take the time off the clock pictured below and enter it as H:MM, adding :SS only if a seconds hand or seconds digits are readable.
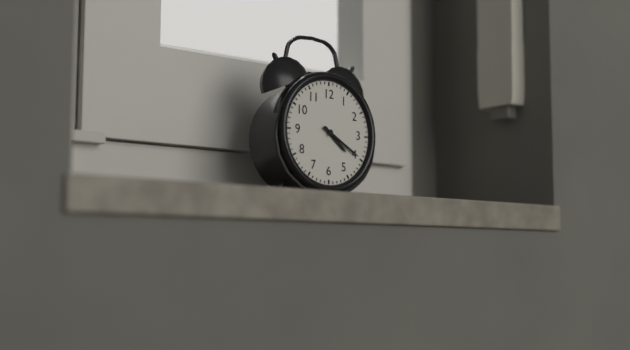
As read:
4:20
